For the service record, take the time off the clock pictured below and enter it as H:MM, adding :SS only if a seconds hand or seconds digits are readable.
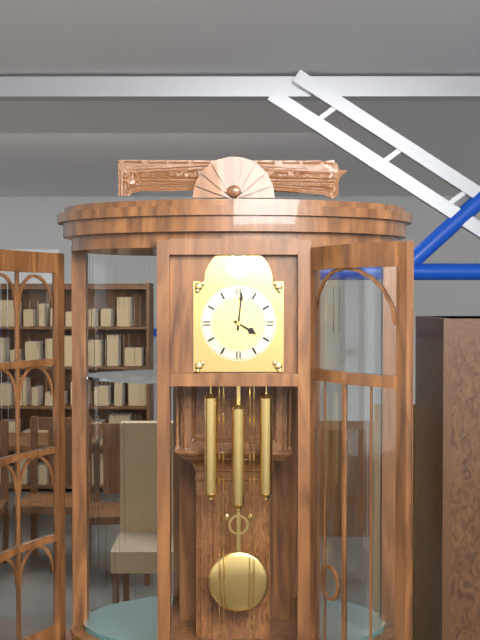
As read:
4:01
